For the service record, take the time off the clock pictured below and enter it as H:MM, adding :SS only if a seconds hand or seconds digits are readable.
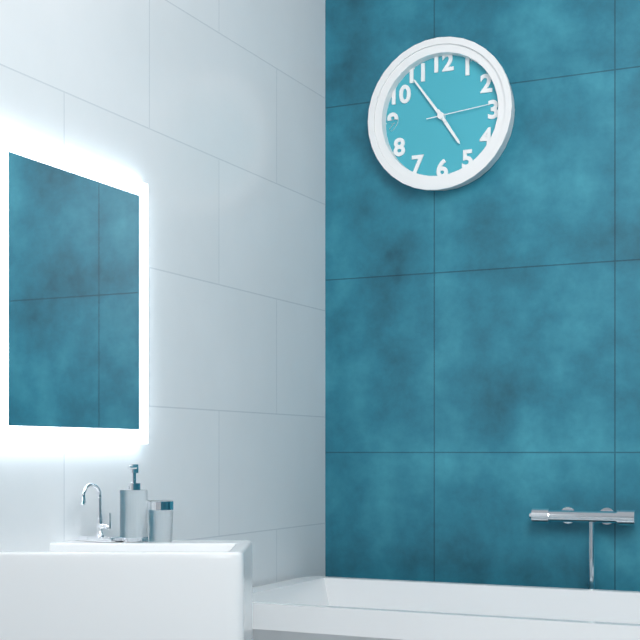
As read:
4:54:14
